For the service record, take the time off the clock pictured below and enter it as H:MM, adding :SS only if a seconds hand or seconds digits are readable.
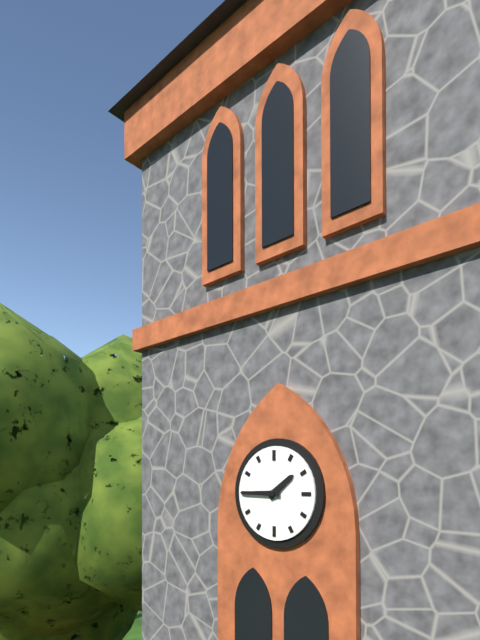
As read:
1:45
